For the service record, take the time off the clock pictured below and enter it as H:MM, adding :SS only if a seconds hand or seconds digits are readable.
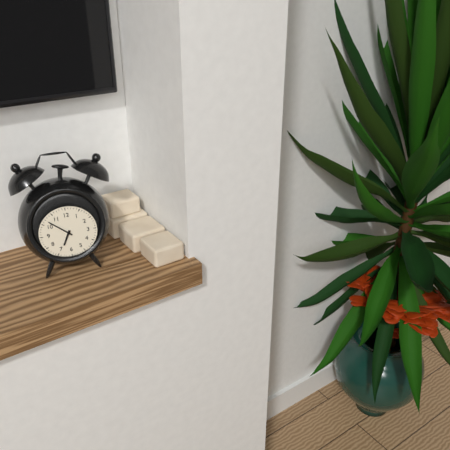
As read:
6:52
